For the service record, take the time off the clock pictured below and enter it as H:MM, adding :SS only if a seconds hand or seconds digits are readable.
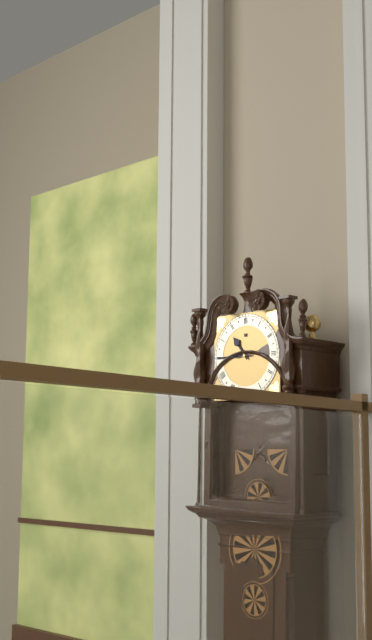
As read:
10:45
